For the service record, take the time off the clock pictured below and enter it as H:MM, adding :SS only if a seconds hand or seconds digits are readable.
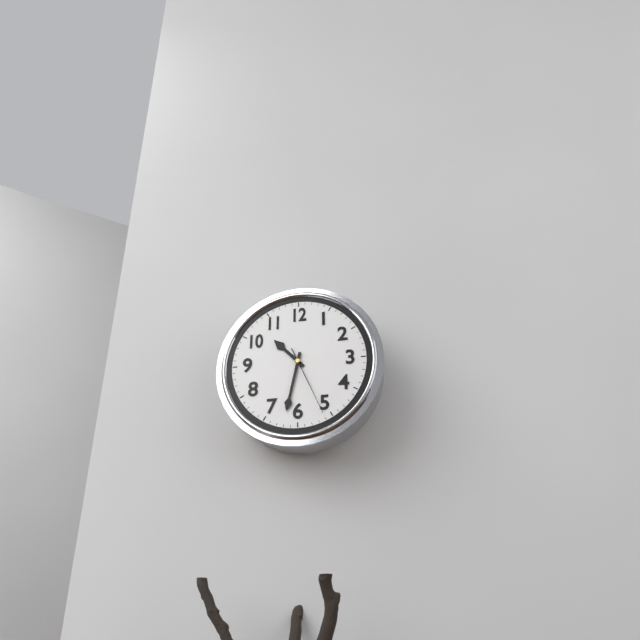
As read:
10:32:26
